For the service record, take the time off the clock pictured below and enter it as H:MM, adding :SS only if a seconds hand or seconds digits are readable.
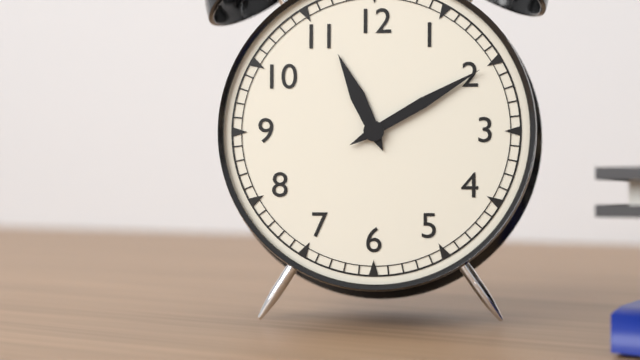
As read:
11:10
